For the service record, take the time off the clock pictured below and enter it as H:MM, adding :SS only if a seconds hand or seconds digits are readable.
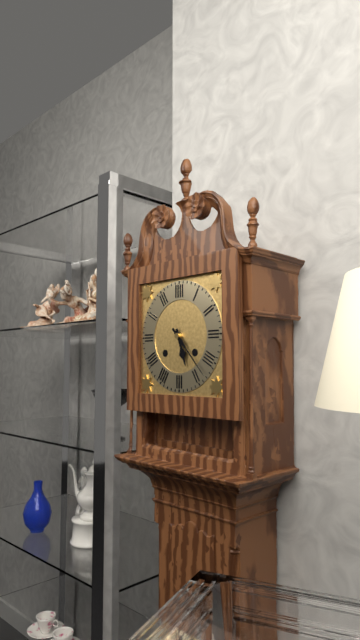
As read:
5:23
